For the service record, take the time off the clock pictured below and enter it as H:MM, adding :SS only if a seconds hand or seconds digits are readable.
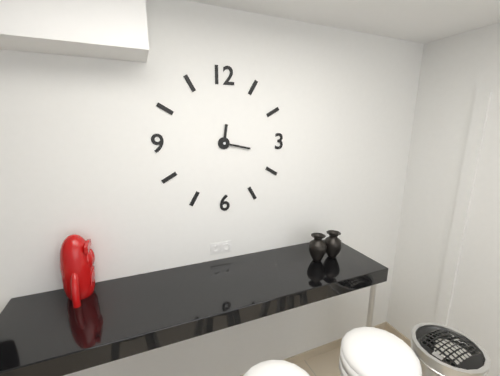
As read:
12:17
